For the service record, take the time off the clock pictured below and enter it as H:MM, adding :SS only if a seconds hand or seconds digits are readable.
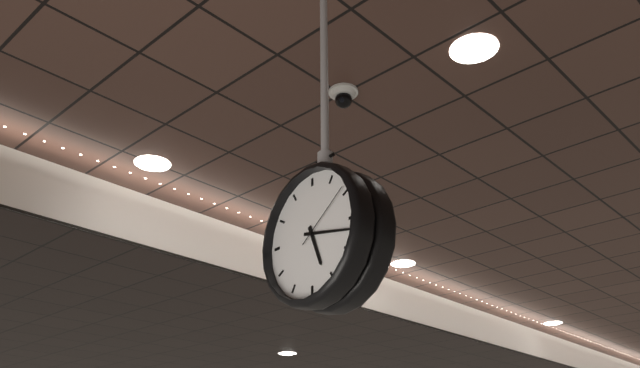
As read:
5:17:09
